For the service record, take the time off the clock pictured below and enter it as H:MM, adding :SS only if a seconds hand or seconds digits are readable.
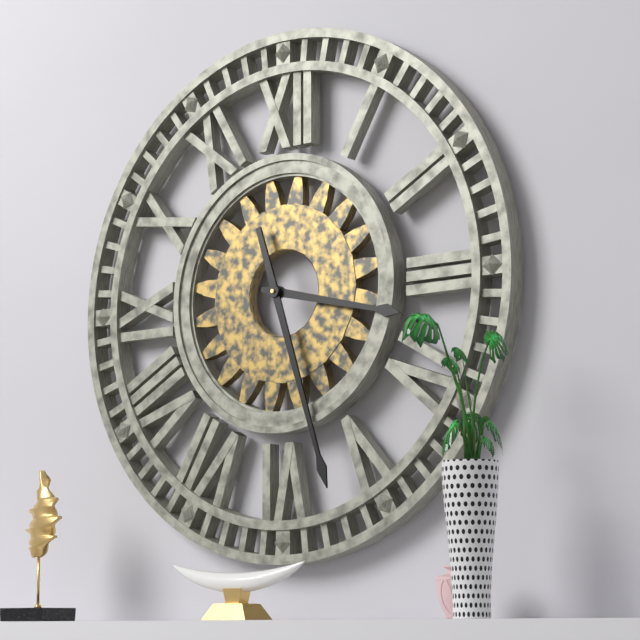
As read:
3:27
